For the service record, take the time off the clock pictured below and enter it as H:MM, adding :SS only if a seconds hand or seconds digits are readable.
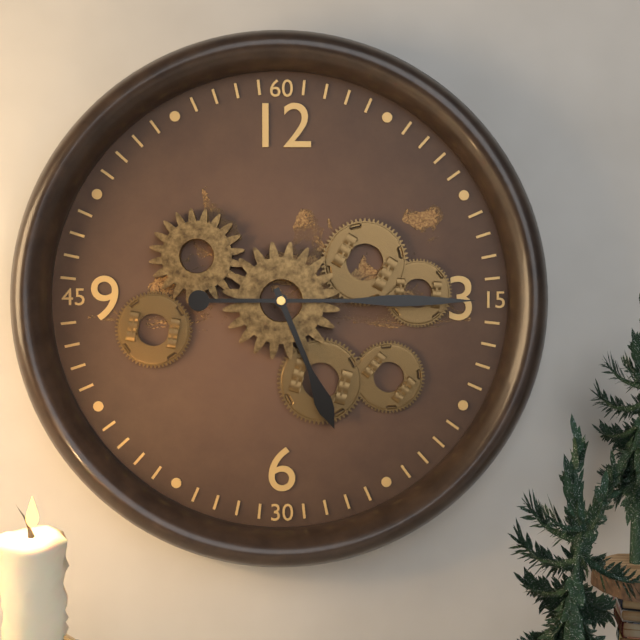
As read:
5:15
